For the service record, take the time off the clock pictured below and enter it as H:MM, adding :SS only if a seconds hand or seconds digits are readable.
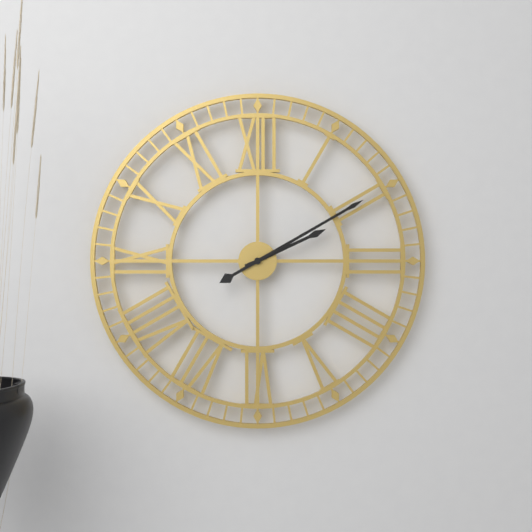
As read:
2:10
